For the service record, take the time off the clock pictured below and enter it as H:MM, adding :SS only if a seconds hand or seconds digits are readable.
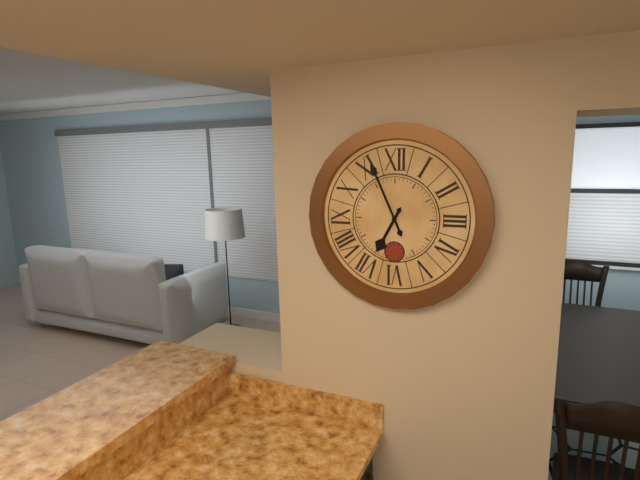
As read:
6:56
